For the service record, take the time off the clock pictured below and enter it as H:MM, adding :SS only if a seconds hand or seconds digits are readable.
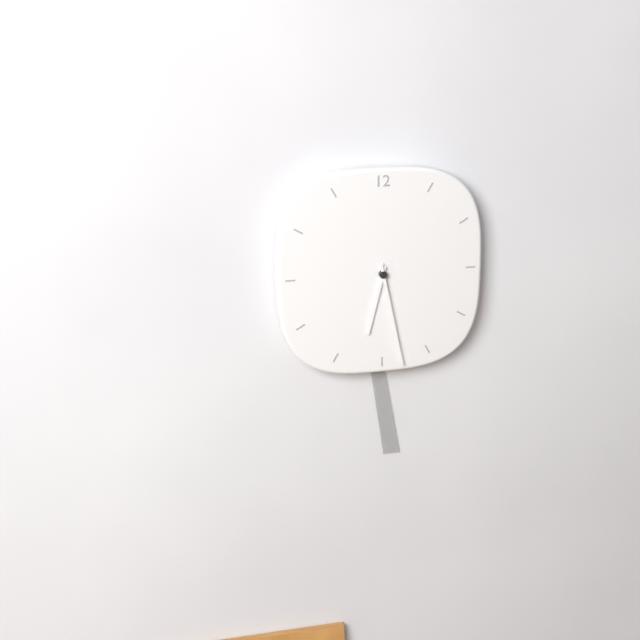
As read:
6:28
